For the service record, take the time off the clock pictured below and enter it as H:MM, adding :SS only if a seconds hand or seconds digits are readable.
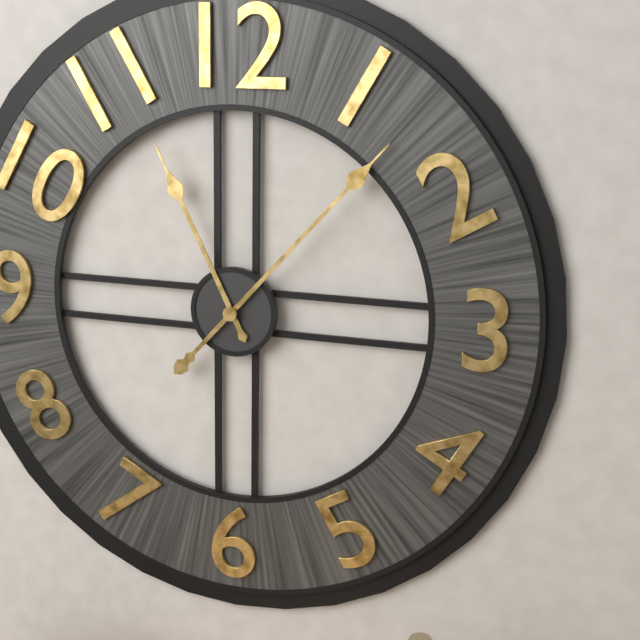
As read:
11:07
